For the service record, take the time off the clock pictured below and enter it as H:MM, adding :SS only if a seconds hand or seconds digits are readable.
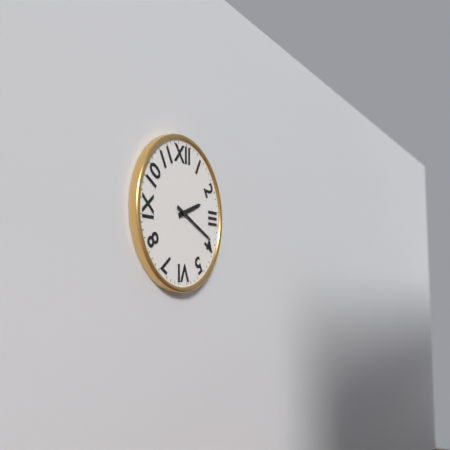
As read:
2:19
